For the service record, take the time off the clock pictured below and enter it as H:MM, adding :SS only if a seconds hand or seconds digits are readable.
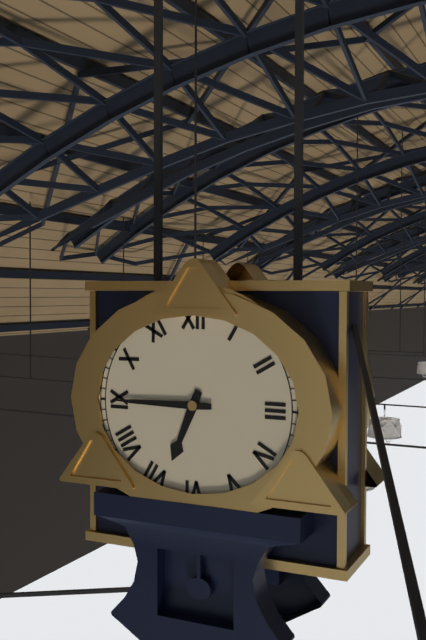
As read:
6:45
